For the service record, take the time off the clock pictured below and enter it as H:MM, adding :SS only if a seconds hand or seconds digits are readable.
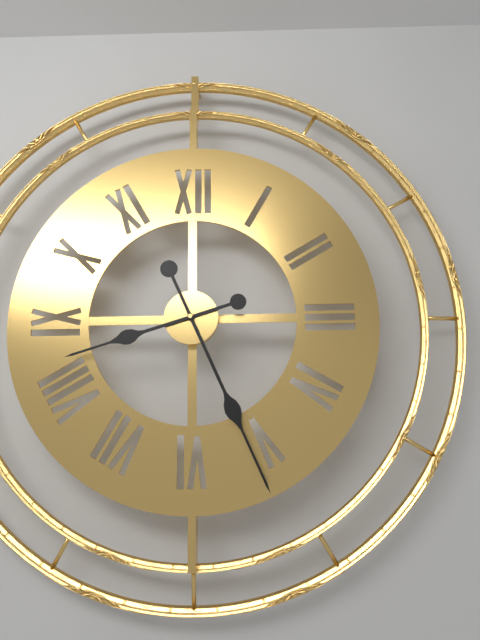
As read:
8:26
